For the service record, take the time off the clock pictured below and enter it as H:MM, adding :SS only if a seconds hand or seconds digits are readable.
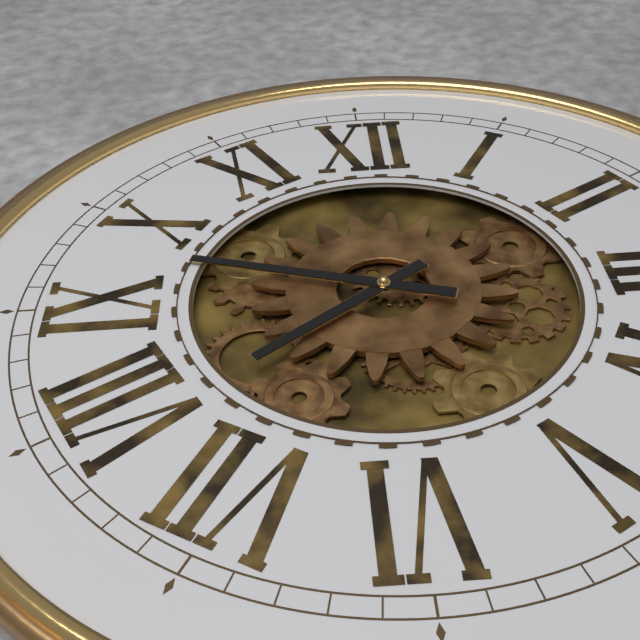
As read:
7:48
